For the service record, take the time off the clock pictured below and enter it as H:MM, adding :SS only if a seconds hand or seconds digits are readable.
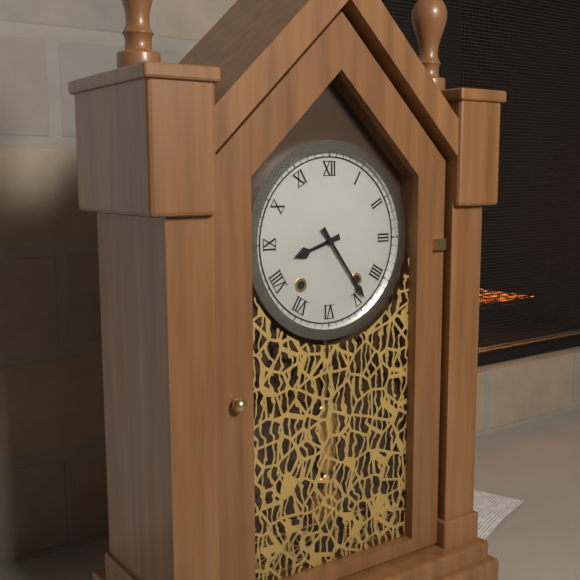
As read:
8:24
